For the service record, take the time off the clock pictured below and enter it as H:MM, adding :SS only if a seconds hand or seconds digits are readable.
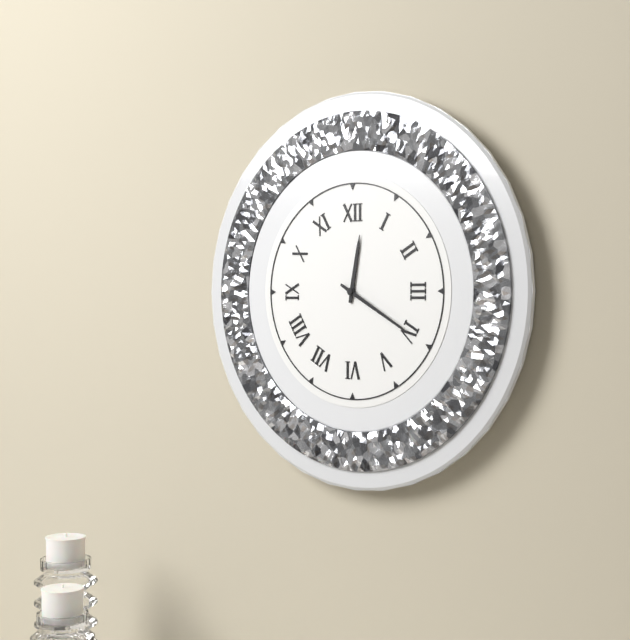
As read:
12:20
